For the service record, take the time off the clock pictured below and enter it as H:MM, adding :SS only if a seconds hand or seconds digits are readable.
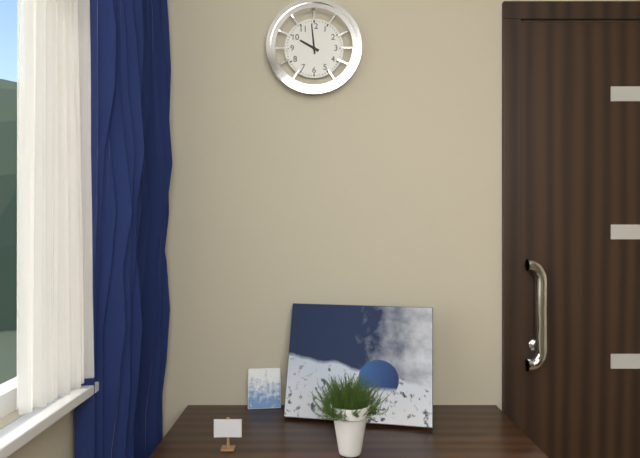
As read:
9:59
